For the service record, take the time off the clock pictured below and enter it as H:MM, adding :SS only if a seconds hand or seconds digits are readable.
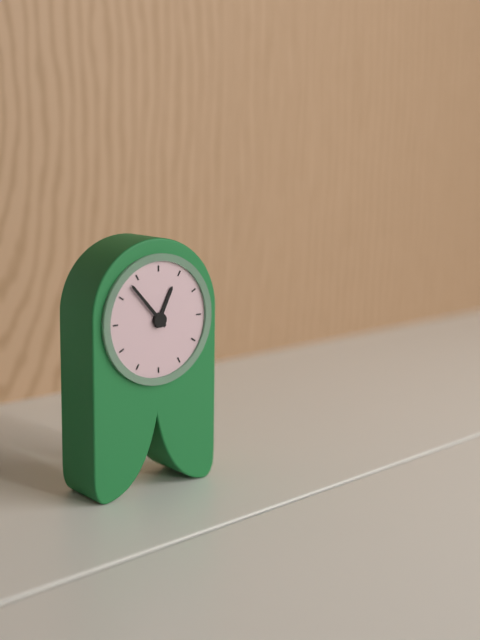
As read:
12:53
